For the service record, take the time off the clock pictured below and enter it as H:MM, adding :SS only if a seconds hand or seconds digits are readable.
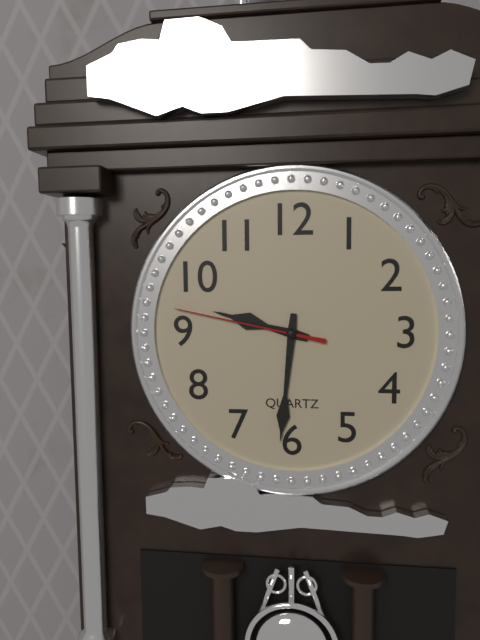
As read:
9:31:47
